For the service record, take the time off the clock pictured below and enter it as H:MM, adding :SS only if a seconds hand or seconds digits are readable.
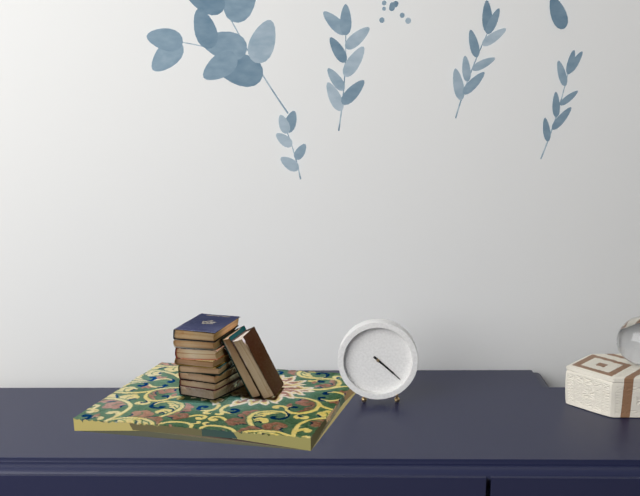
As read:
4:22
